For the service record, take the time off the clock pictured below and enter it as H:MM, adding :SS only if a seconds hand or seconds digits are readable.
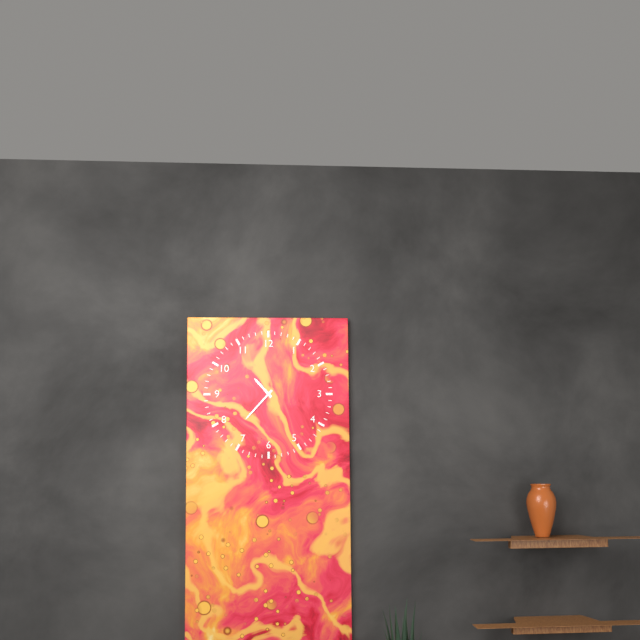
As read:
10:37
